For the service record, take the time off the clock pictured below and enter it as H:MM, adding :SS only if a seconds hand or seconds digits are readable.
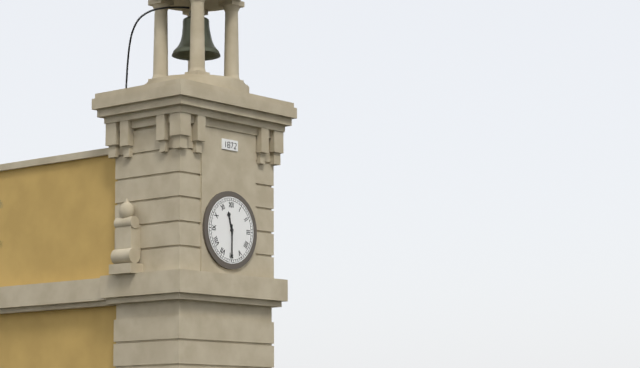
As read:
11:30
